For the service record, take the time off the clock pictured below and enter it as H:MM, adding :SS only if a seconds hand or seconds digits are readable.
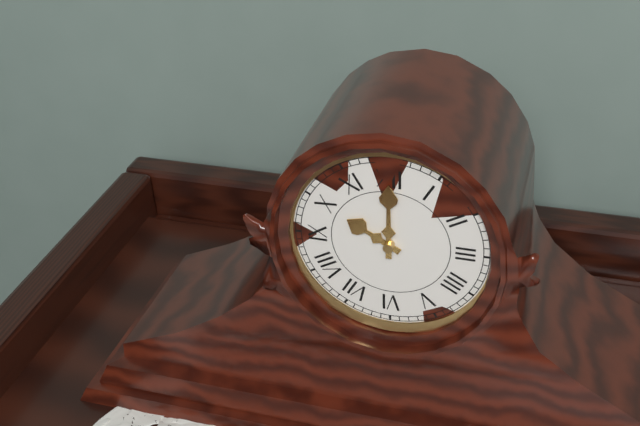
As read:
10:00
